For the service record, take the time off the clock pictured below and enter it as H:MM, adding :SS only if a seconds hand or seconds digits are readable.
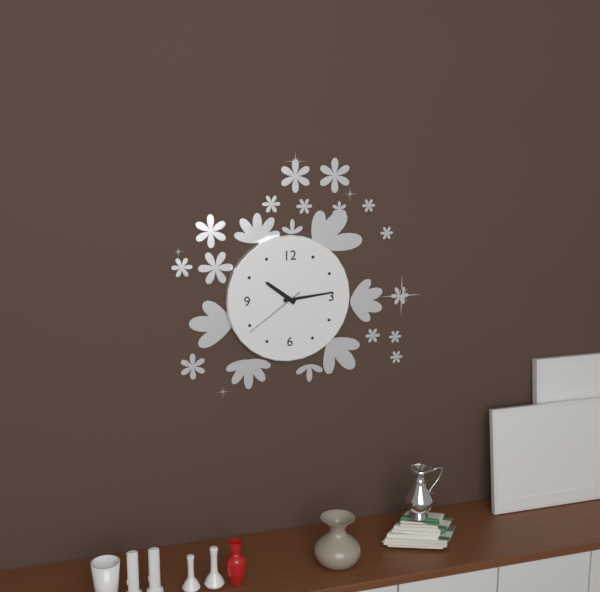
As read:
10:14:39
